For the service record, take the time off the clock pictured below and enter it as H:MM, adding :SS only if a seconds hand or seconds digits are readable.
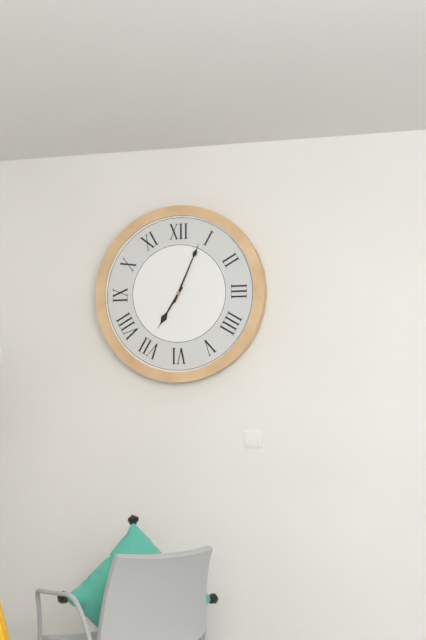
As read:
7:04
